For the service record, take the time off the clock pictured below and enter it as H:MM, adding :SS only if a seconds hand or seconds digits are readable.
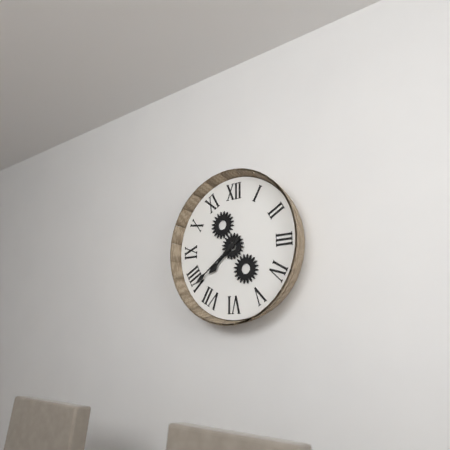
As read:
7:39
